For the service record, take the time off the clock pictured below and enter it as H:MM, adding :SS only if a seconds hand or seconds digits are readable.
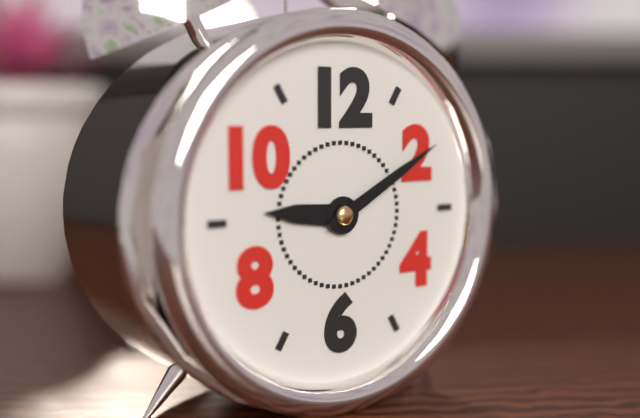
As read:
9:10
